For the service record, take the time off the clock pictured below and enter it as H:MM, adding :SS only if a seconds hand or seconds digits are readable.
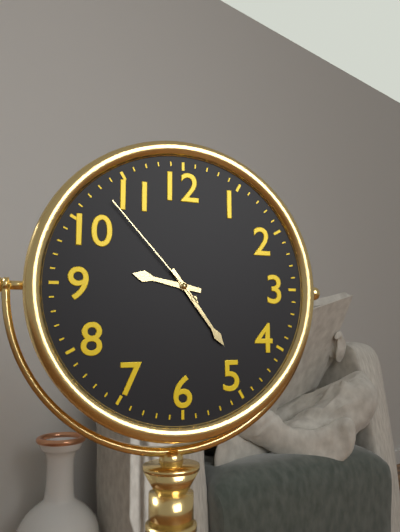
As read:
9:24:53
